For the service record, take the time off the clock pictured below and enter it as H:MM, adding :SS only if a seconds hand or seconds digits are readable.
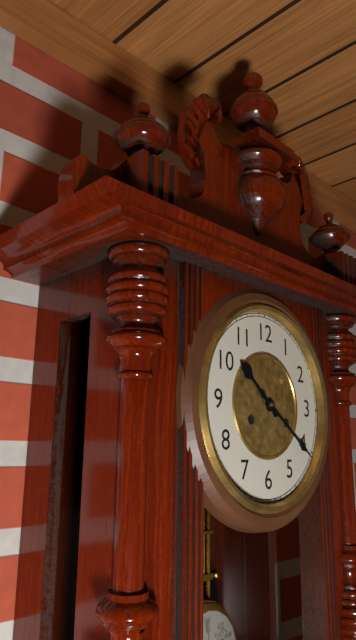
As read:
10:21
